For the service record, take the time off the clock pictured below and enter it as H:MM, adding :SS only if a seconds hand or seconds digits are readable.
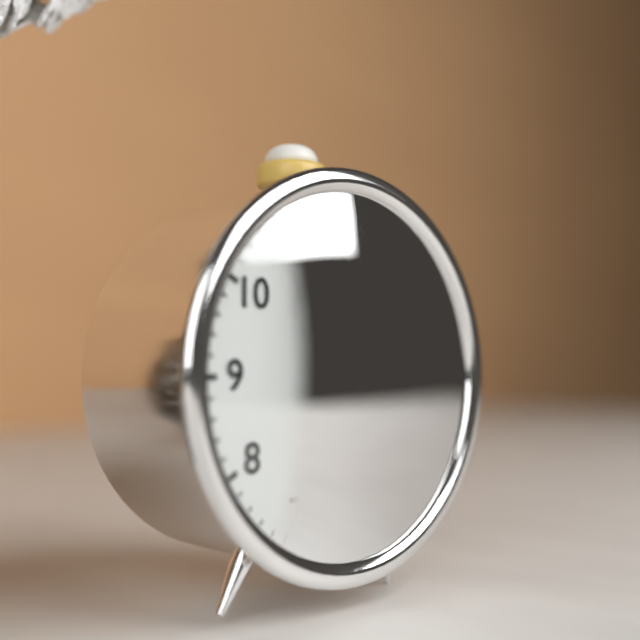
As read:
6:17
